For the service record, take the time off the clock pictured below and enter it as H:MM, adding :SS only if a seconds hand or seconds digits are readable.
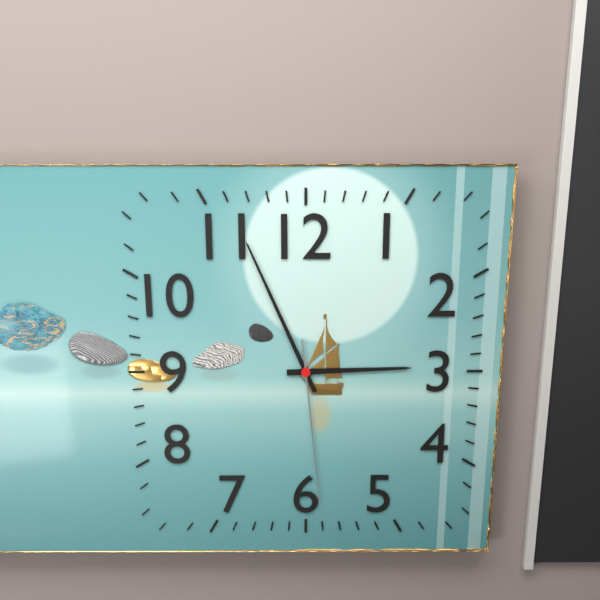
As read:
2:56:29
